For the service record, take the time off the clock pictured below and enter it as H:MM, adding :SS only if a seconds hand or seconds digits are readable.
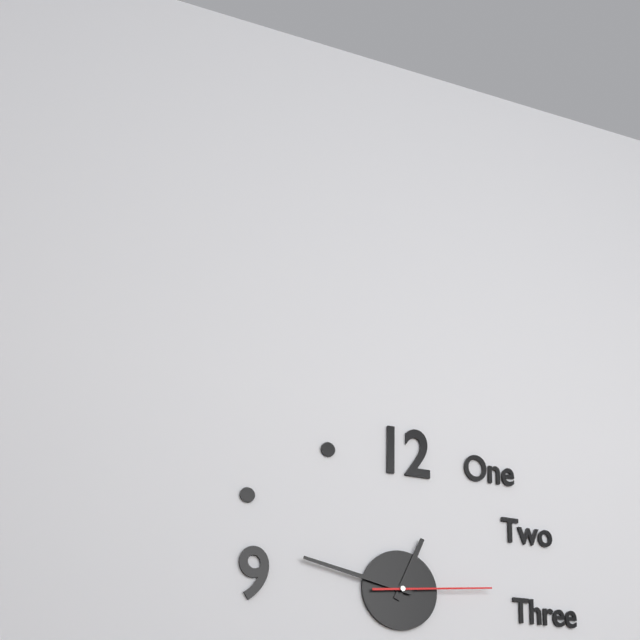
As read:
12:47:14
